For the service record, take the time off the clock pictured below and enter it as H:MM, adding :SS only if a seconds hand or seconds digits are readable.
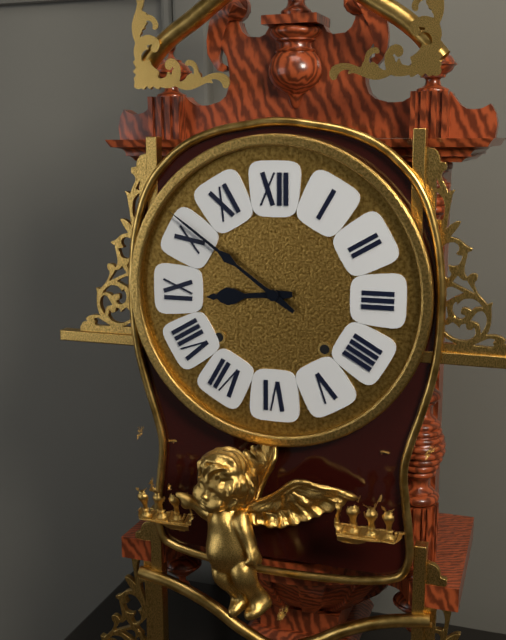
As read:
8:51
